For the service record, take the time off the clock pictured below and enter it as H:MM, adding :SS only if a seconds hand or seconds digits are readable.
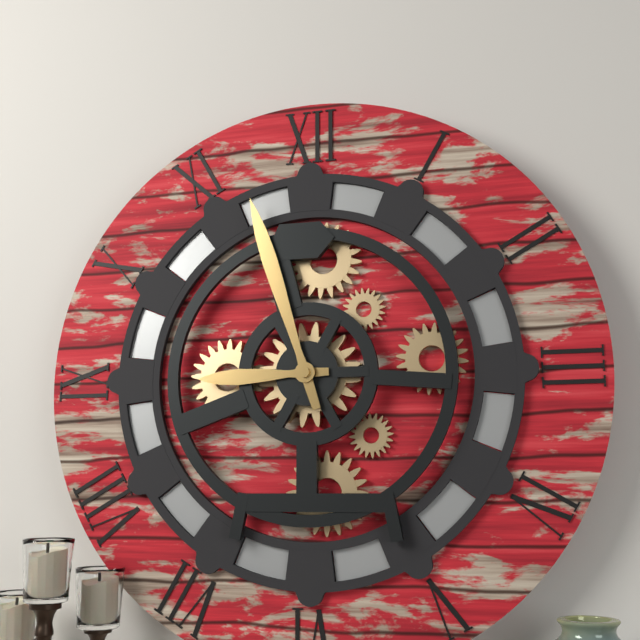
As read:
8:57
